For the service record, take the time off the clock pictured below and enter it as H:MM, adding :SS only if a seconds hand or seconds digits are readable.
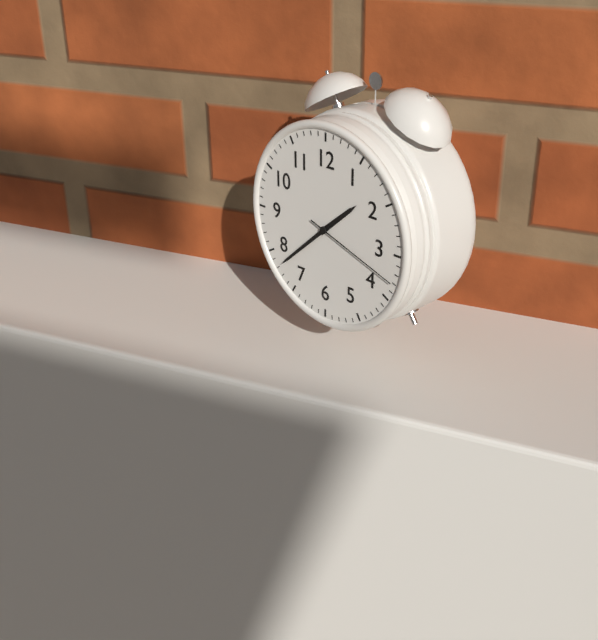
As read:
1:38:18
